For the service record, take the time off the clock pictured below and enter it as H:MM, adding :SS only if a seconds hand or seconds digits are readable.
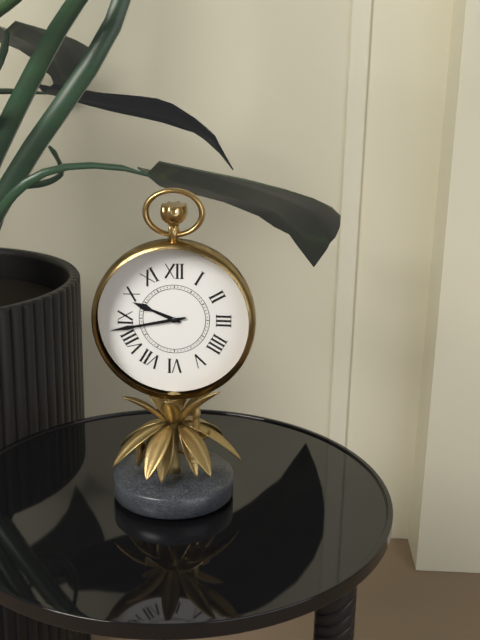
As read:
9:43
